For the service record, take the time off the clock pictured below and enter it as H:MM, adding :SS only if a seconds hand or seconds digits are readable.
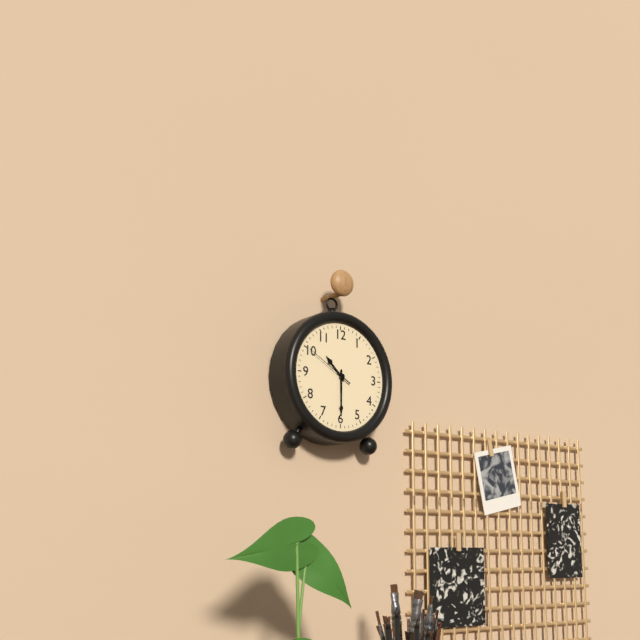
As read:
10:30:50
